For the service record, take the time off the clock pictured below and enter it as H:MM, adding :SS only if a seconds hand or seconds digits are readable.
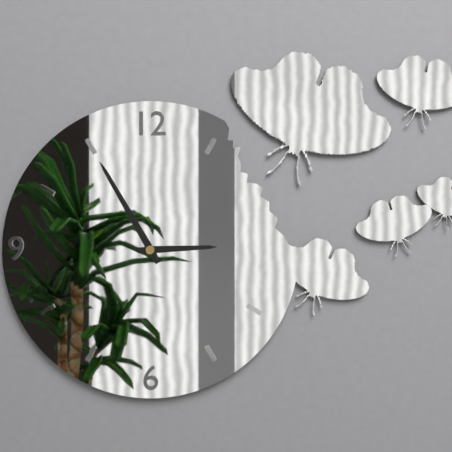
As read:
2:55
